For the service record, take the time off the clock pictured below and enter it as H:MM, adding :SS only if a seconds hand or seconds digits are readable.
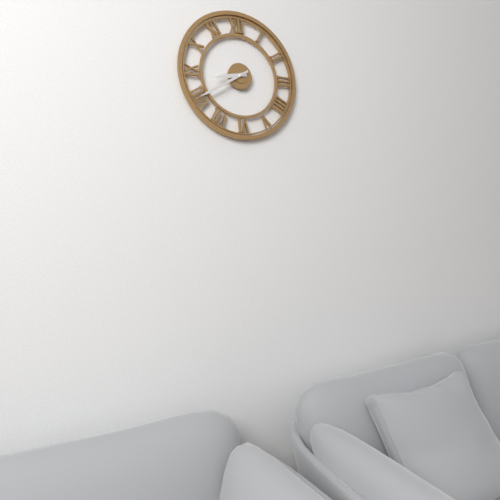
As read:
8:40
